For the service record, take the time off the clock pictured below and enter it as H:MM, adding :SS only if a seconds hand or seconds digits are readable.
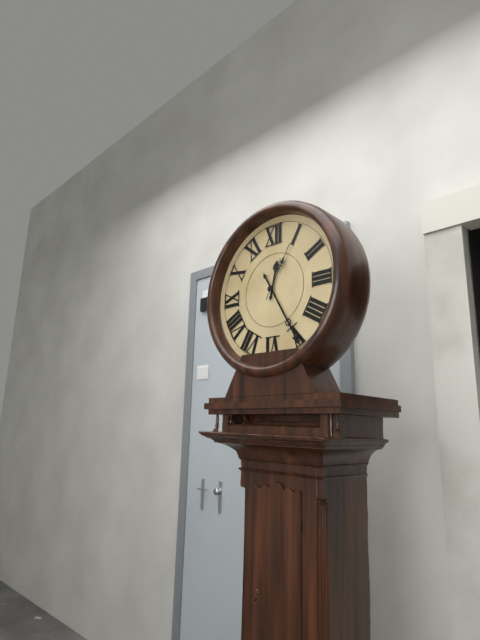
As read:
12:25:05
